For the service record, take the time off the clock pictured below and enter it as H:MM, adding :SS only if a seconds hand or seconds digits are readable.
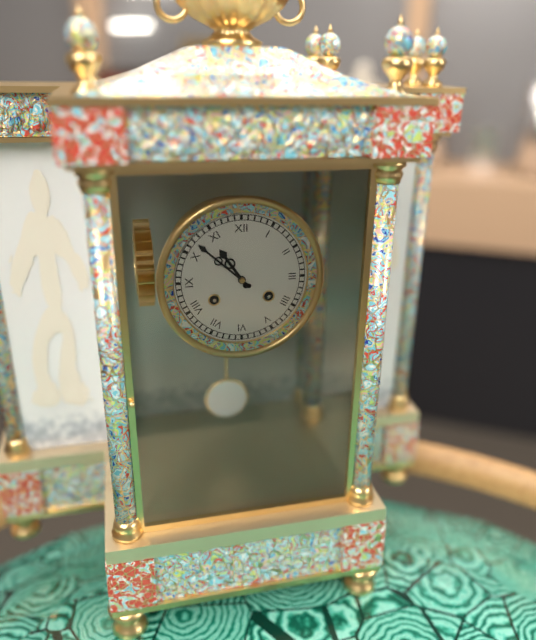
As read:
10:52
